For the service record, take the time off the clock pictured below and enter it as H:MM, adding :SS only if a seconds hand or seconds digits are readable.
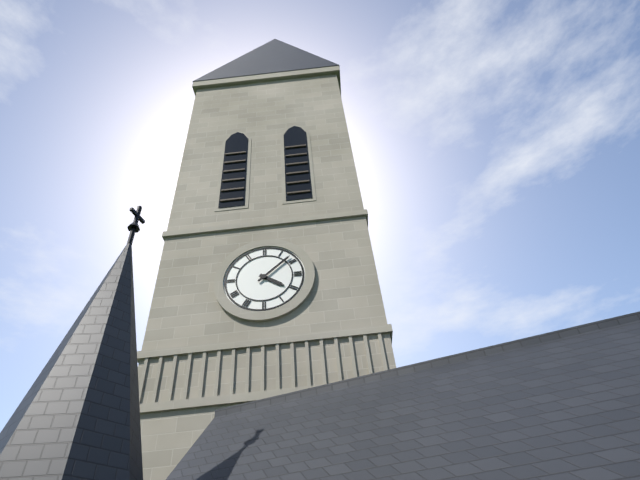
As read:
4:08
